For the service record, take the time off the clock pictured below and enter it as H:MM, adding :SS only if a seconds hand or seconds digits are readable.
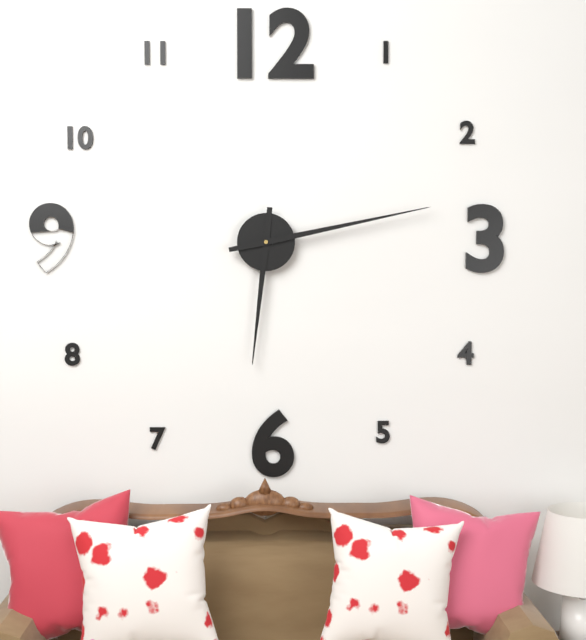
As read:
6:13
